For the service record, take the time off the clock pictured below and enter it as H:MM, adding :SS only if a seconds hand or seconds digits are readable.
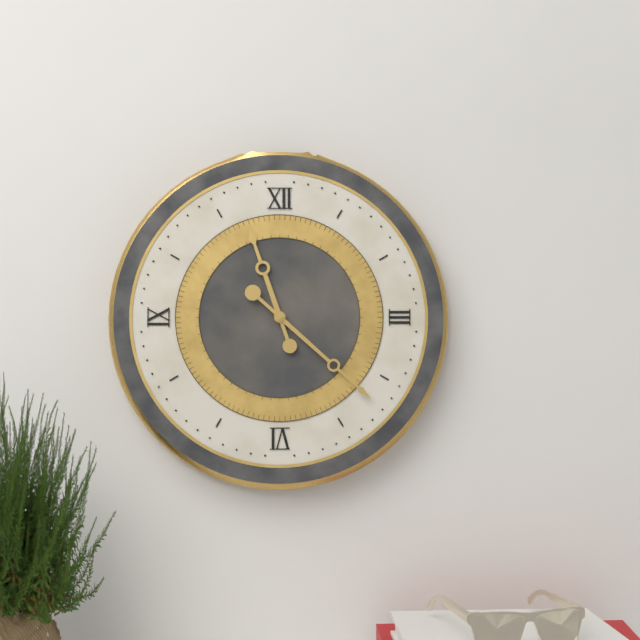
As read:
11:22
